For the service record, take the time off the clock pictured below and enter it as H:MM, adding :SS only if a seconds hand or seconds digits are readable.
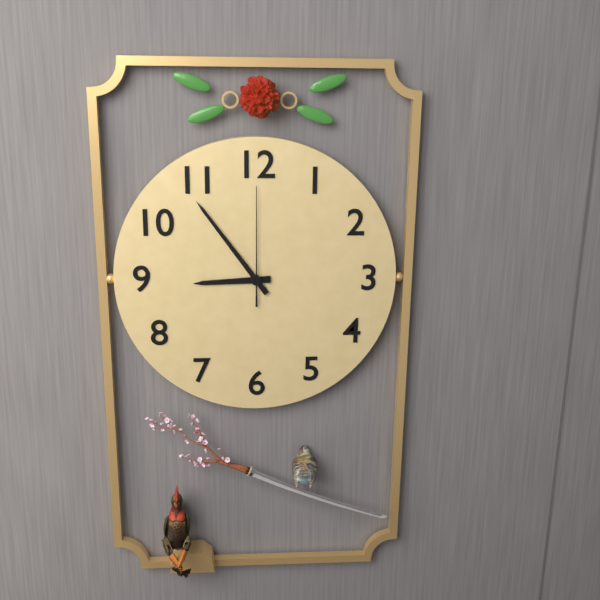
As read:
8:54:00
